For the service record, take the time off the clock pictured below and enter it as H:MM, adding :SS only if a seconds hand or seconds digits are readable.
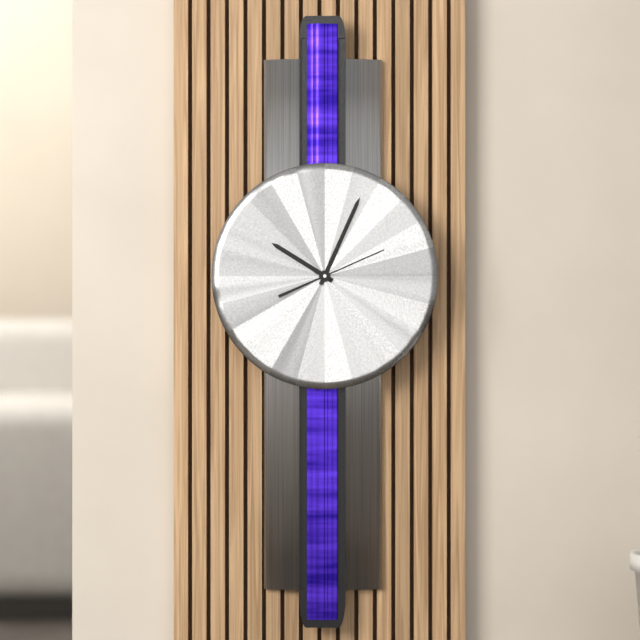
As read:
10:04:11
